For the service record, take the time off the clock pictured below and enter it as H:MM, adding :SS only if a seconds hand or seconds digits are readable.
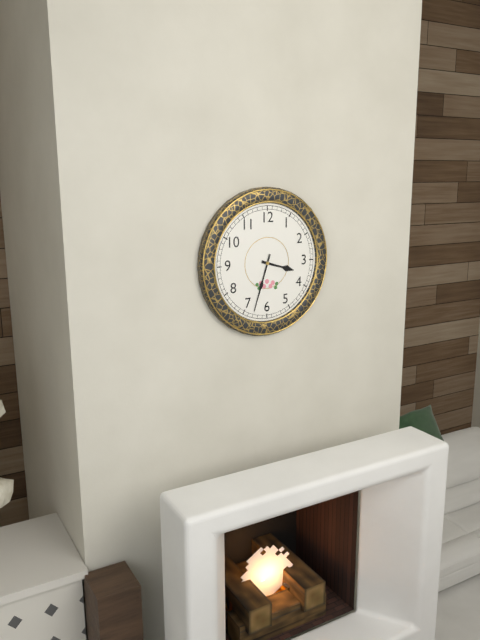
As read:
3:33
